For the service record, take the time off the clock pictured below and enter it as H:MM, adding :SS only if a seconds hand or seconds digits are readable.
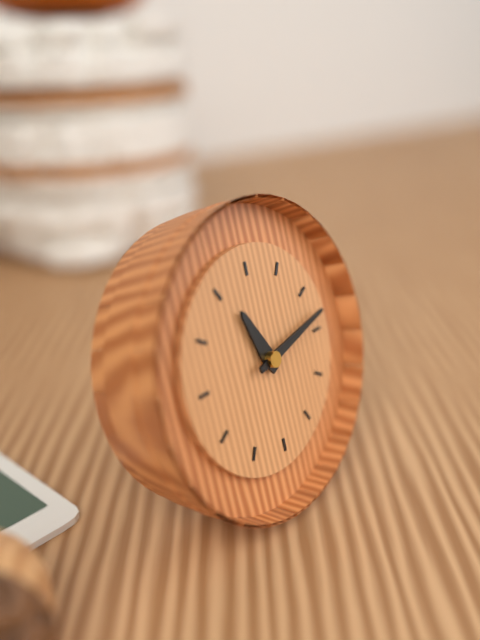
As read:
11:13
